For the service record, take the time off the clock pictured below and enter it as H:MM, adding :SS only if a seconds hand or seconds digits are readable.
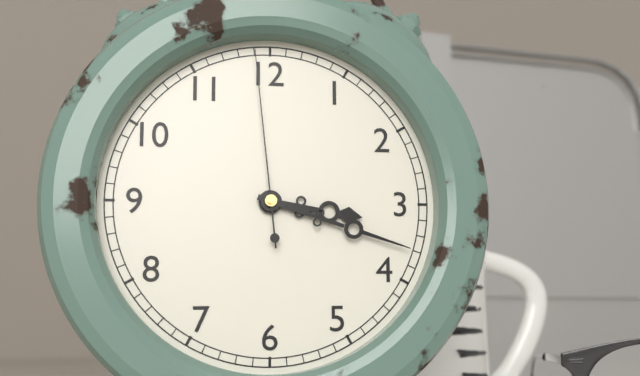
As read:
3:18:59
